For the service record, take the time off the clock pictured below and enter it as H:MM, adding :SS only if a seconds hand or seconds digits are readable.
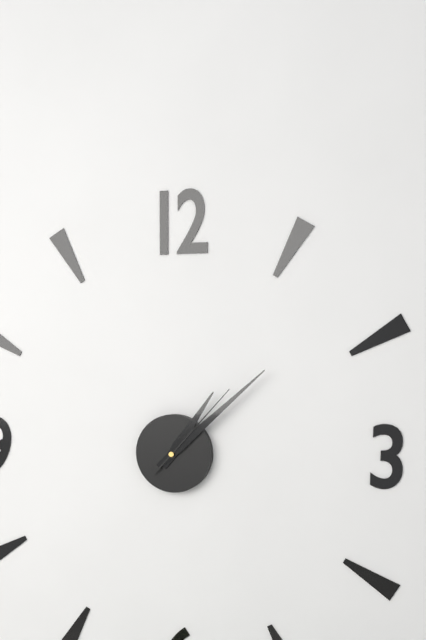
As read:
1:08:07
